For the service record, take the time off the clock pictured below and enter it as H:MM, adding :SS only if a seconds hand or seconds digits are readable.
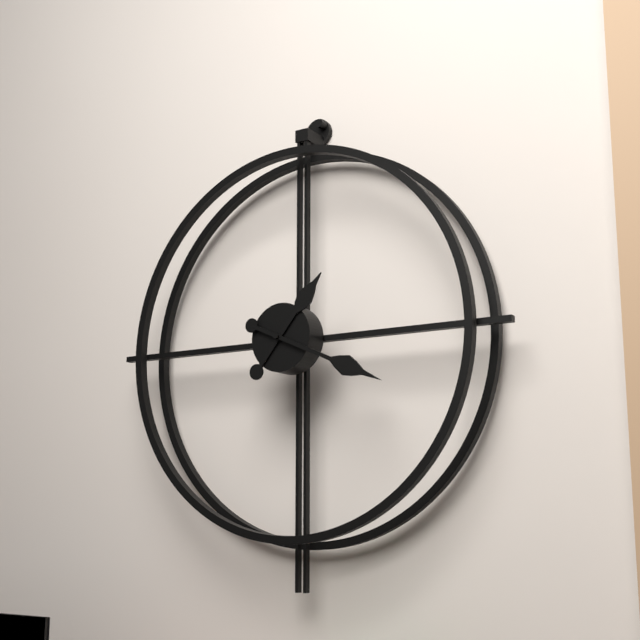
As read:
1:19
